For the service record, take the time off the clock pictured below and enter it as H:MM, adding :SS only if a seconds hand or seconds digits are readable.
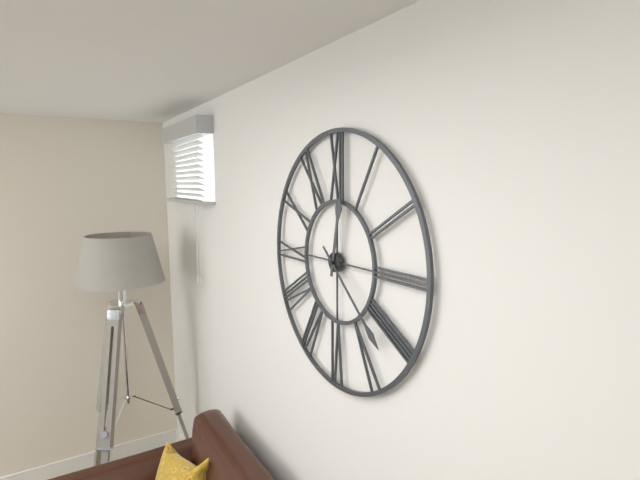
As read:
12:22
